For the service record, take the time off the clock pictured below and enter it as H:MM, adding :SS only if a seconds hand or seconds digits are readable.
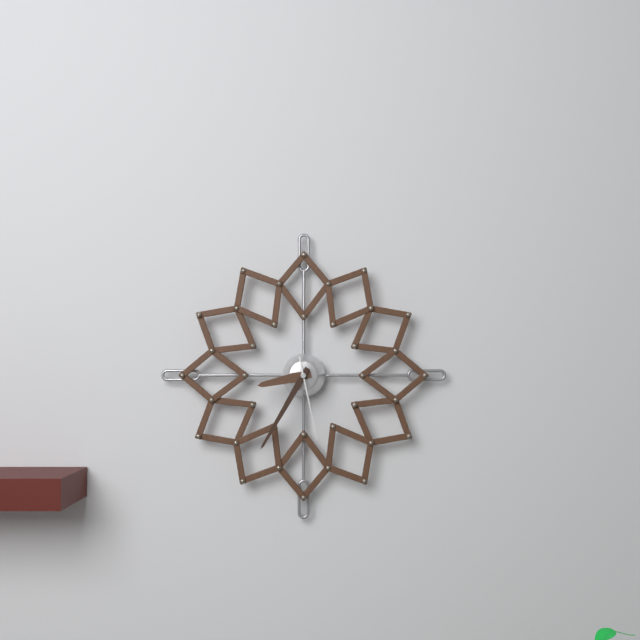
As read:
8:35:28
